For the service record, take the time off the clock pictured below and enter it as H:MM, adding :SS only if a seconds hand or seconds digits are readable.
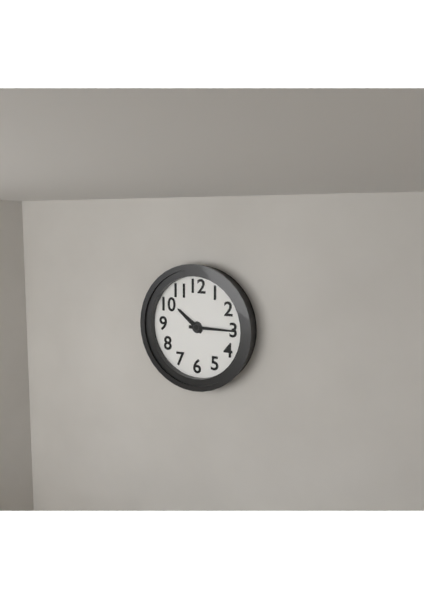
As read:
10:15
